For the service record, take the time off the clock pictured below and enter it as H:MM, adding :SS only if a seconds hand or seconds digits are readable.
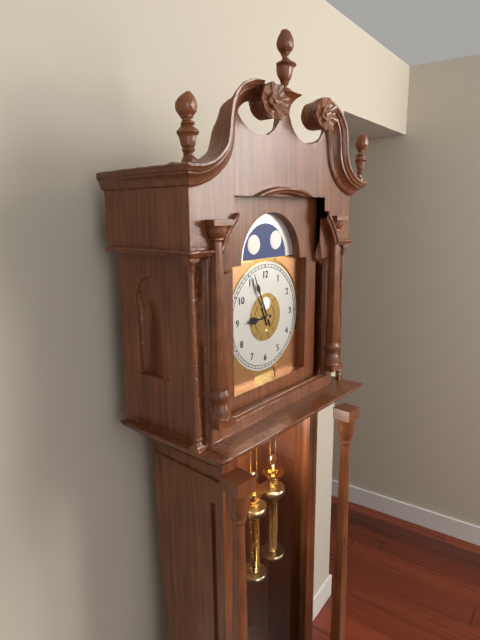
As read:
8:56
